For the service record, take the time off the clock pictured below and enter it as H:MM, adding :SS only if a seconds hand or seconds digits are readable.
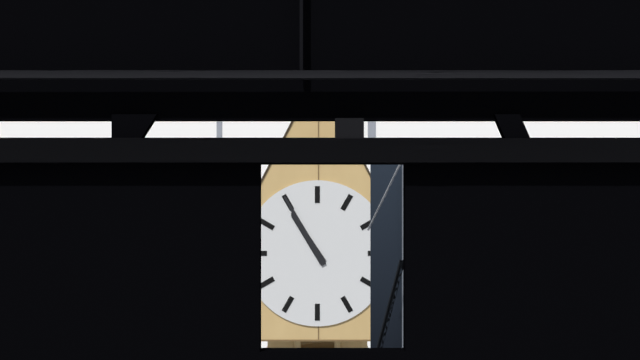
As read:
10:55
